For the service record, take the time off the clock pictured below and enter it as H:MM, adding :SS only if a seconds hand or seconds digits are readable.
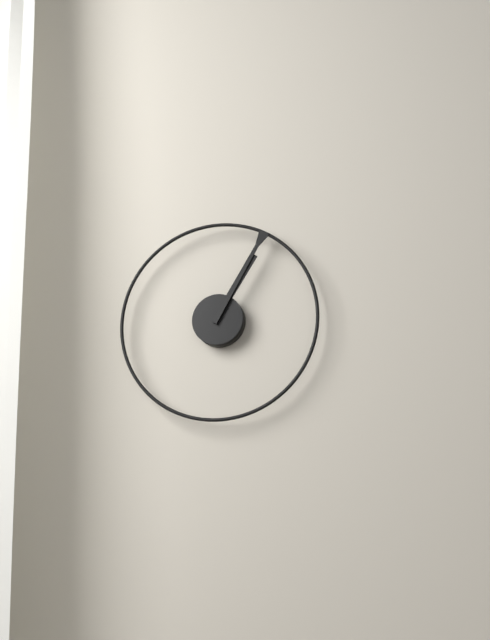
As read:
1:05
